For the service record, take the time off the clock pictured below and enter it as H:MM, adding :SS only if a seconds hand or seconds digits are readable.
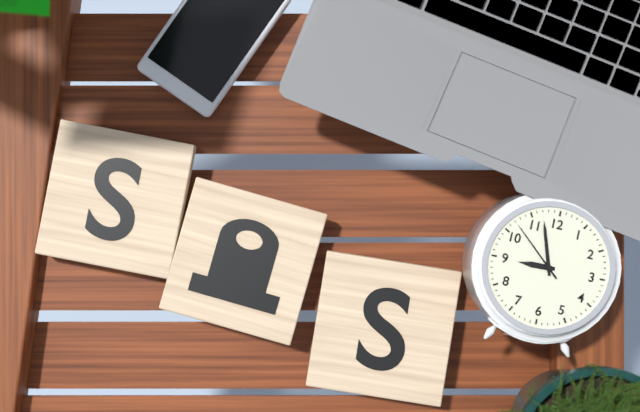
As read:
8:57:52
